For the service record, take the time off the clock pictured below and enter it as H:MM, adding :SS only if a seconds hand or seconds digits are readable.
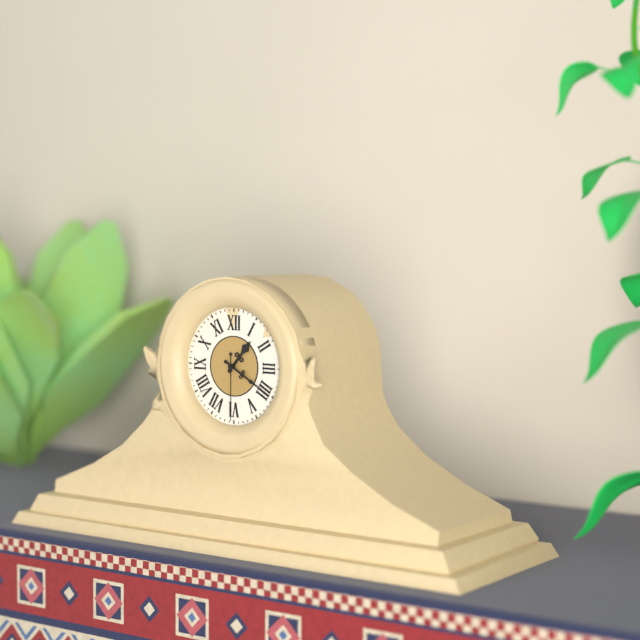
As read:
1:20:30
